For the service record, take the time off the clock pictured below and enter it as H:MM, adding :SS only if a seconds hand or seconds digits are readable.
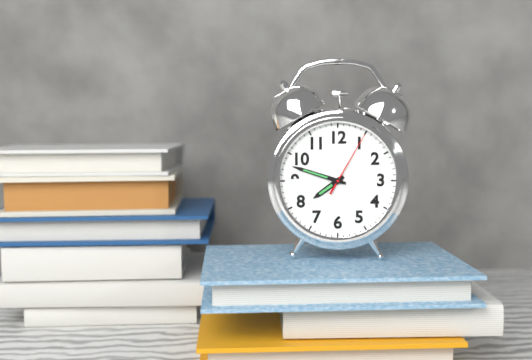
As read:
7:48:05
